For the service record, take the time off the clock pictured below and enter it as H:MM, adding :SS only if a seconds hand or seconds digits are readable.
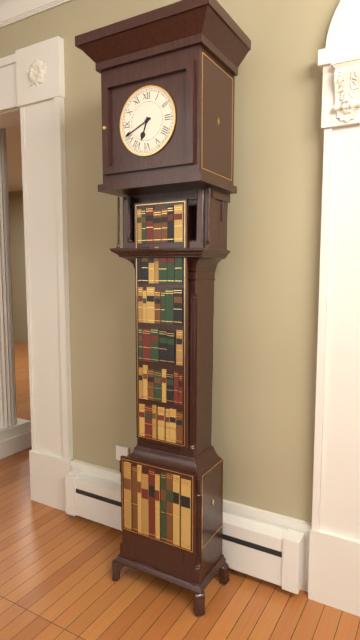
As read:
6:41
